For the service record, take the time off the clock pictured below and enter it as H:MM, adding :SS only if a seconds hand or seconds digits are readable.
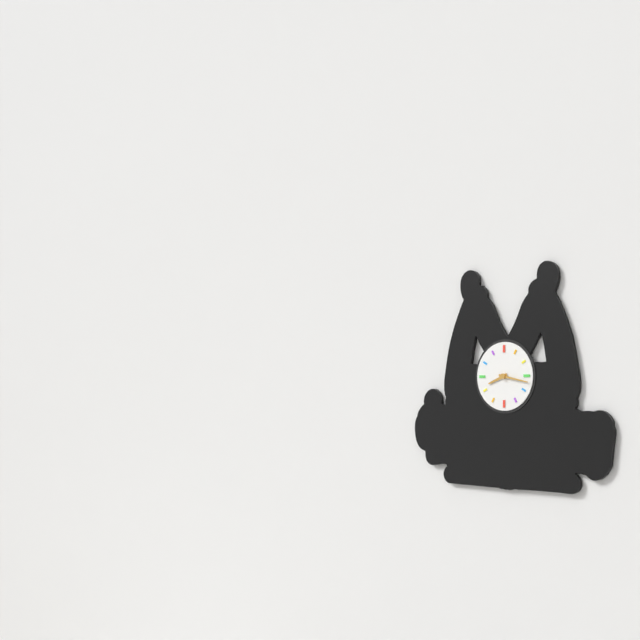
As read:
8:17
